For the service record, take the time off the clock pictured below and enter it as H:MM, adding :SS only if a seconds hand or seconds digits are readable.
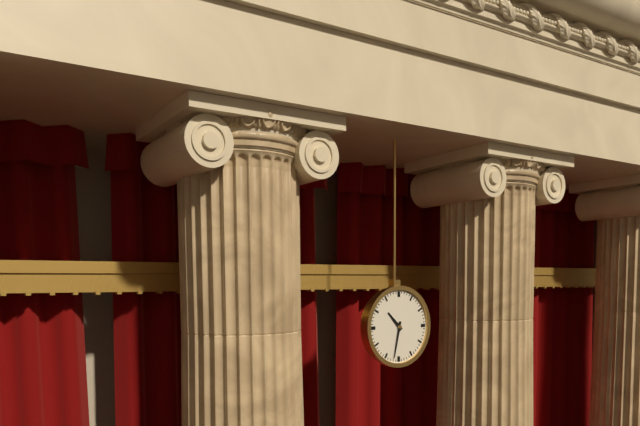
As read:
10:32
